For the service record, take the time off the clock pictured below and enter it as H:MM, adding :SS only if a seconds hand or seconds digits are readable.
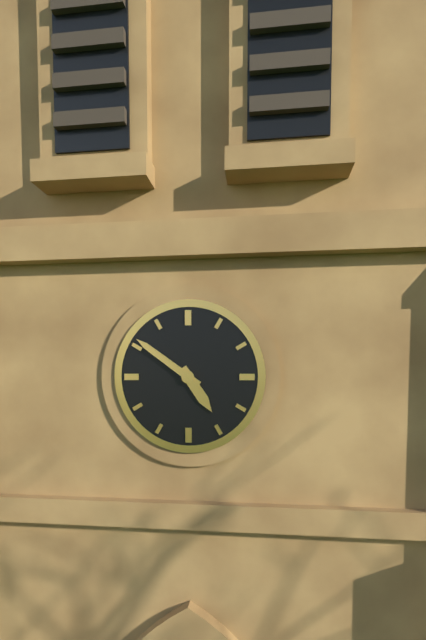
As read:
4:51
